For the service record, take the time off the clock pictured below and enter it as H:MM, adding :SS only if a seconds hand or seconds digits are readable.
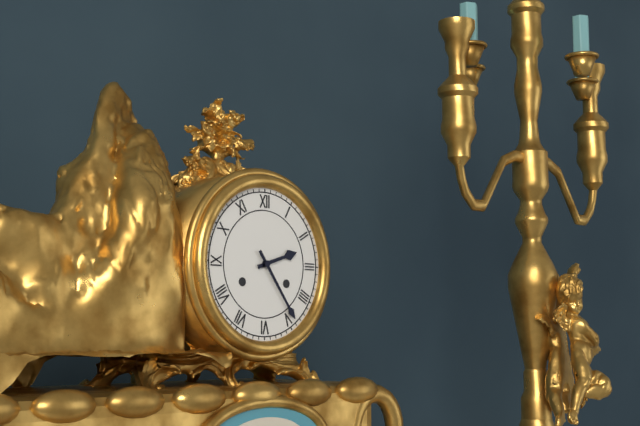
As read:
2:24
